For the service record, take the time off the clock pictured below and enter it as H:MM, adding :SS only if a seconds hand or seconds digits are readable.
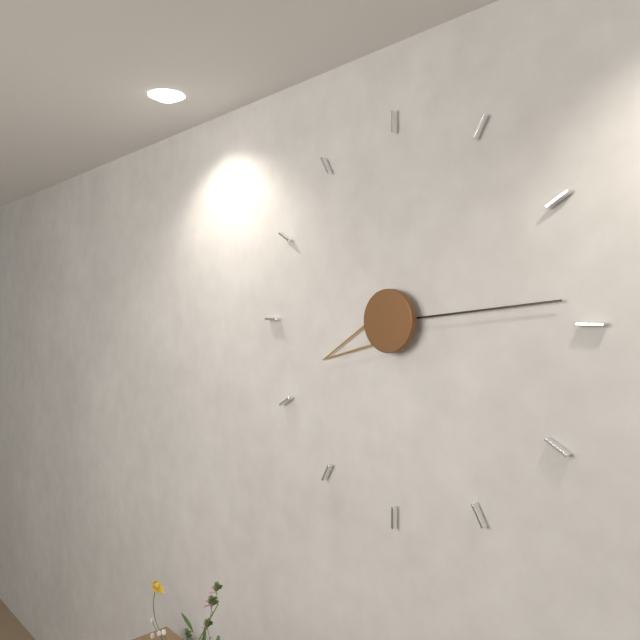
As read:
8:14
